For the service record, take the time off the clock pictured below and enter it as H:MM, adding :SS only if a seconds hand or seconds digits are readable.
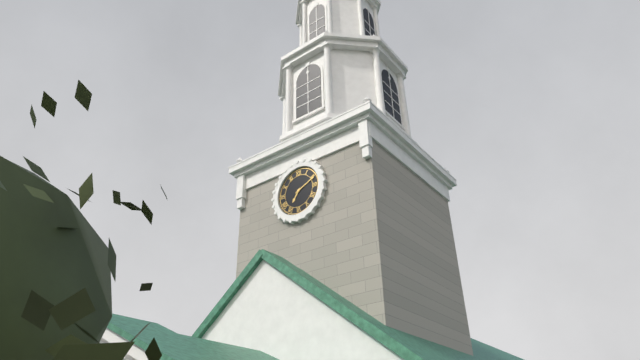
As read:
7:11
